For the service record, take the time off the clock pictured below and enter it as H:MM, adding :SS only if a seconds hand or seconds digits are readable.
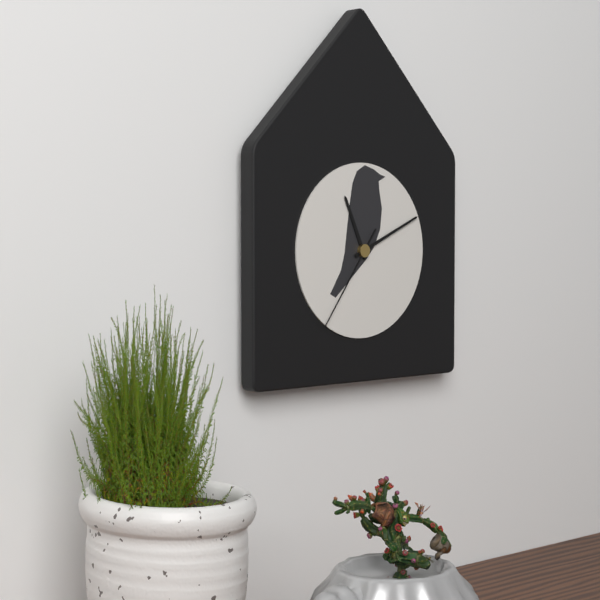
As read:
11:11:36
